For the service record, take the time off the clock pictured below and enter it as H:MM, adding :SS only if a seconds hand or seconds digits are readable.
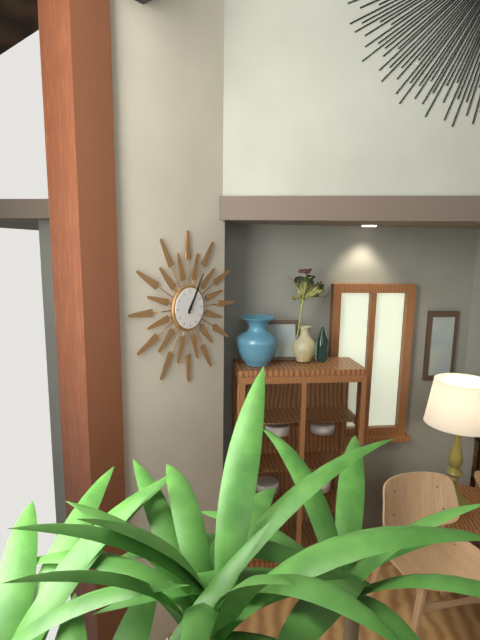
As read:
1:05
